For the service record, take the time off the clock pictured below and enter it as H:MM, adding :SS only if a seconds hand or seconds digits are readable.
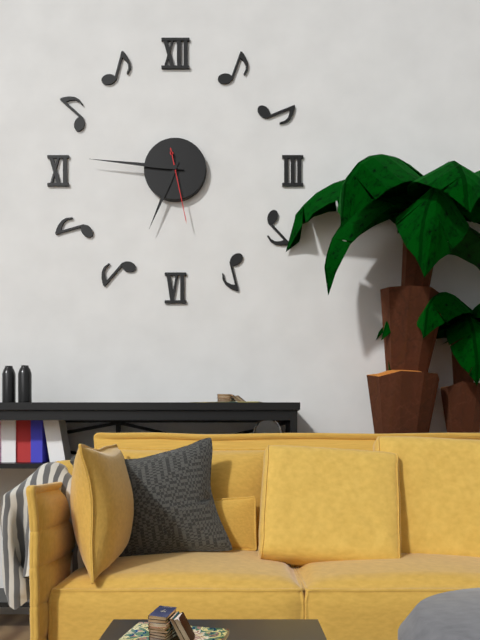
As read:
6:46:28
